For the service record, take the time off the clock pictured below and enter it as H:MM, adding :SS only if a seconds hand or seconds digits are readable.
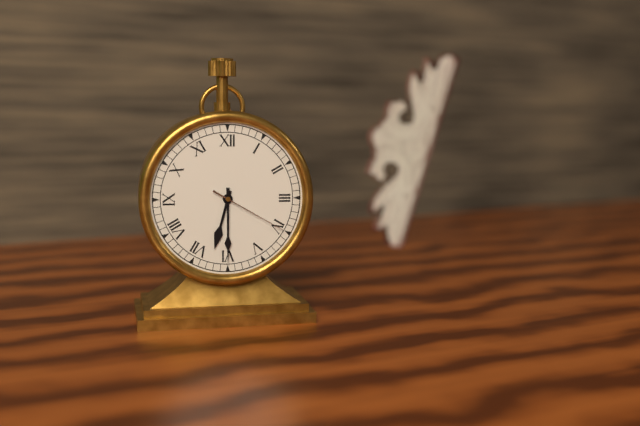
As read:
6:30:20
